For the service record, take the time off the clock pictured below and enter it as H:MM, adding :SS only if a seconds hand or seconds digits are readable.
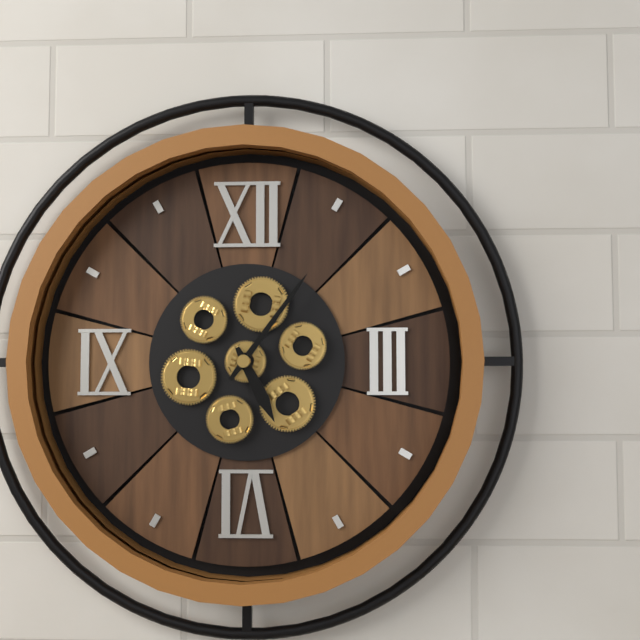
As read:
5:06
